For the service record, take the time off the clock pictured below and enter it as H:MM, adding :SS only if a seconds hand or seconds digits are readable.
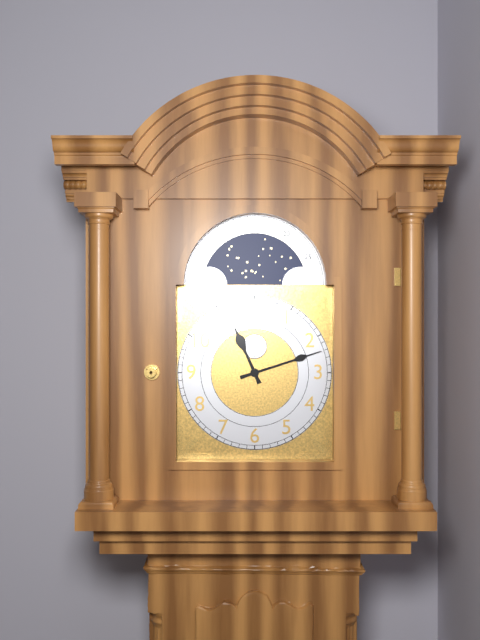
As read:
11:12
